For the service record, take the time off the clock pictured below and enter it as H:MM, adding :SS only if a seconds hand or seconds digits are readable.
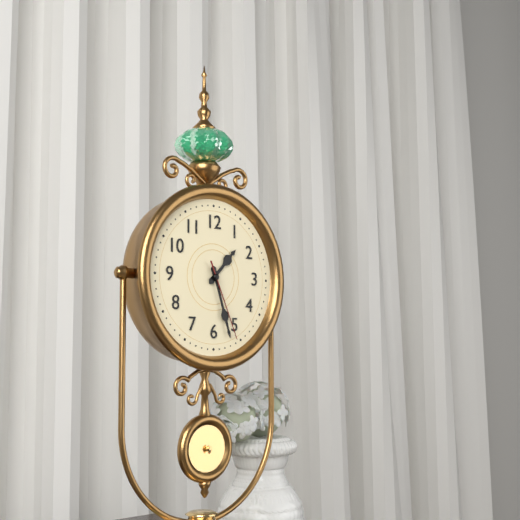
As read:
1:27:26
